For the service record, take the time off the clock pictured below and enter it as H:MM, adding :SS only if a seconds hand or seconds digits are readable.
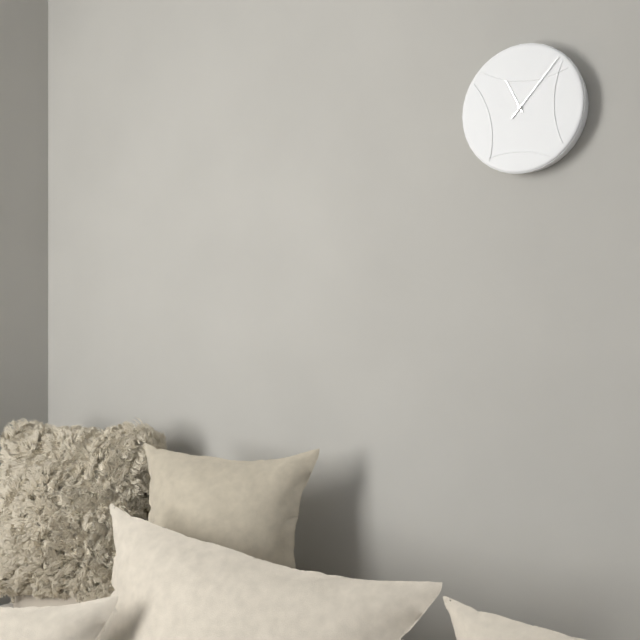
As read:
11:07
